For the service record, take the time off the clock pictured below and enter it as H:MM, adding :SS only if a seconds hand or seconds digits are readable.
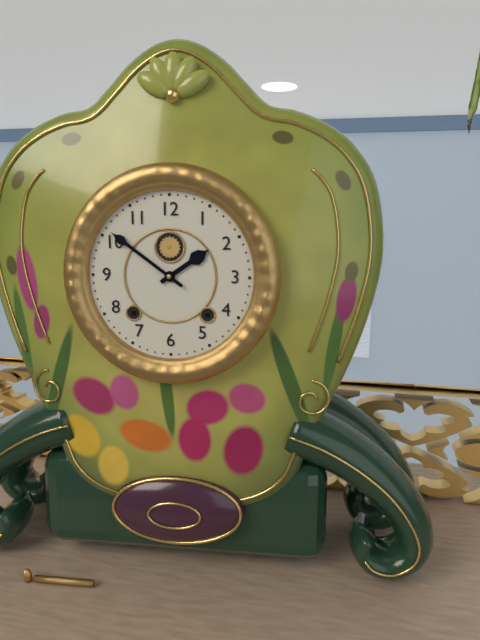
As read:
1:51
